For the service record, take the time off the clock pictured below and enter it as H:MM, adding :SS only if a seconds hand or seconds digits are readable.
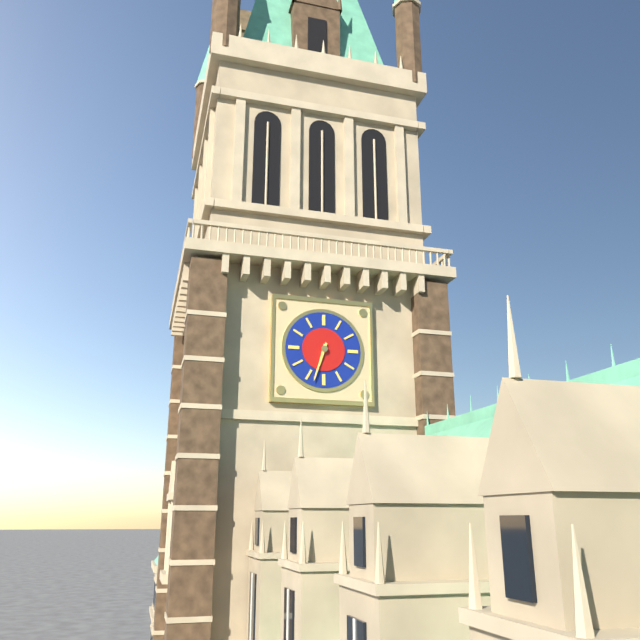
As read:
6:33
